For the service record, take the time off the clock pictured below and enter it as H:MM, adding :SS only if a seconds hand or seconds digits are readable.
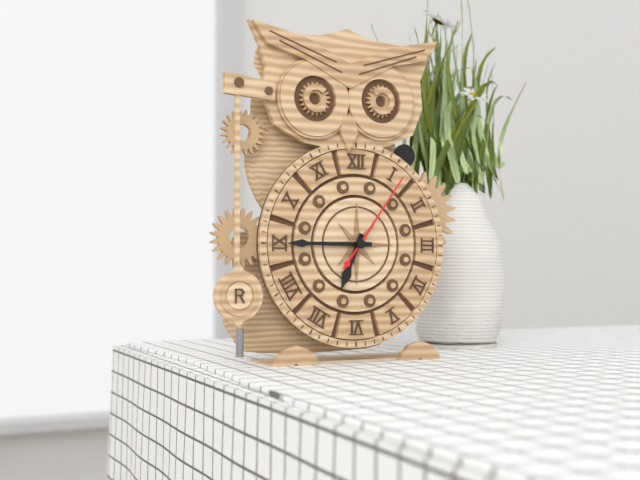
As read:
6:45:06
